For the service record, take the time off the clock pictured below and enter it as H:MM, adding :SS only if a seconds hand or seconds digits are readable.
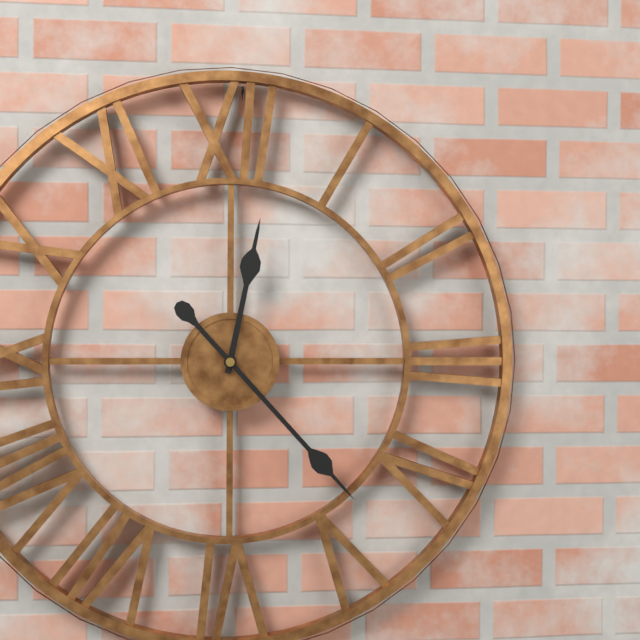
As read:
12:23
